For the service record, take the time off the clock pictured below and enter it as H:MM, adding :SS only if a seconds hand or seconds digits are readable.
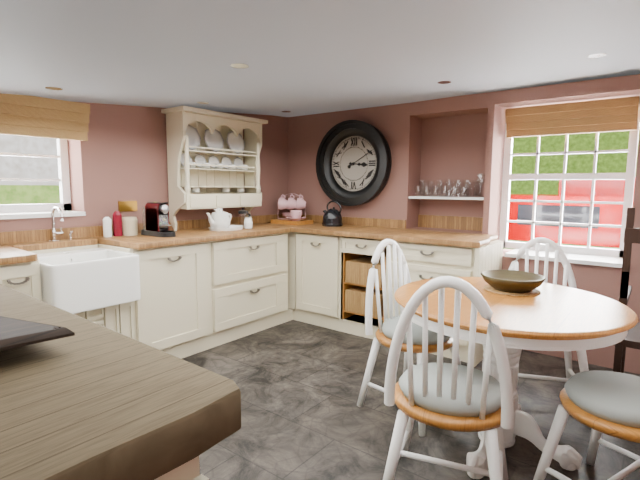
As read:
3:10
